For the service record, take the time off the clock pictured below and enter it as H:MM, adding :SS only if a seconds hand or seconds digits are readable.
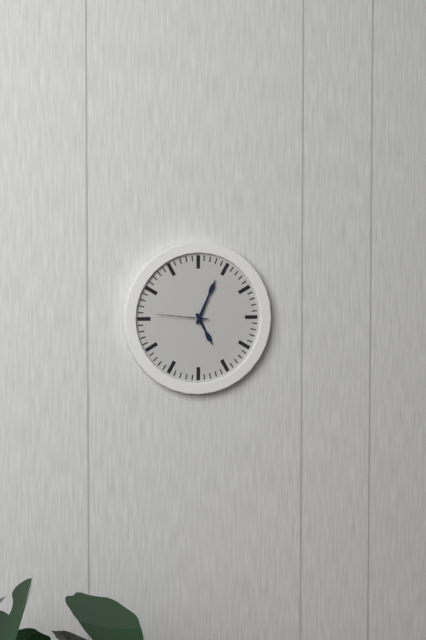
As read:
5:04:46
